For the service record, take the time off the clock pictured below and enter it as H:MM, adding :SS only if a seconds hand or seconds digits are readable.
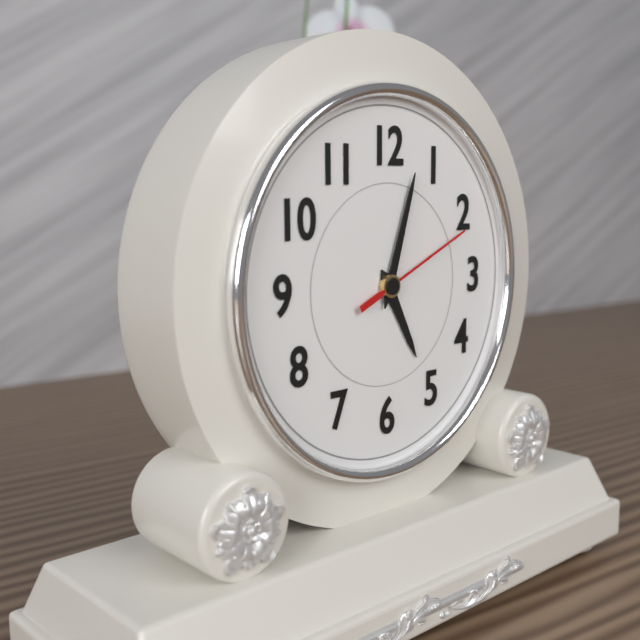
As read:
5:03:11
